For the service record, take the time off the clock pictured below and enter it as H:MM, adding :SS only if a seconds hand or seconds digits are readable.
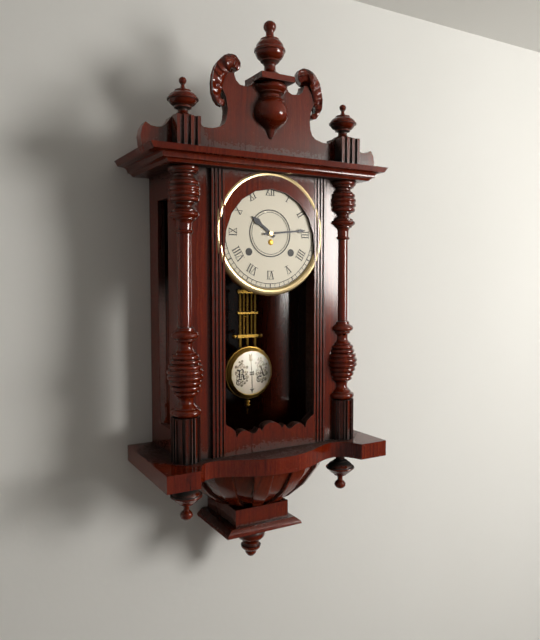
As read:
10:14
